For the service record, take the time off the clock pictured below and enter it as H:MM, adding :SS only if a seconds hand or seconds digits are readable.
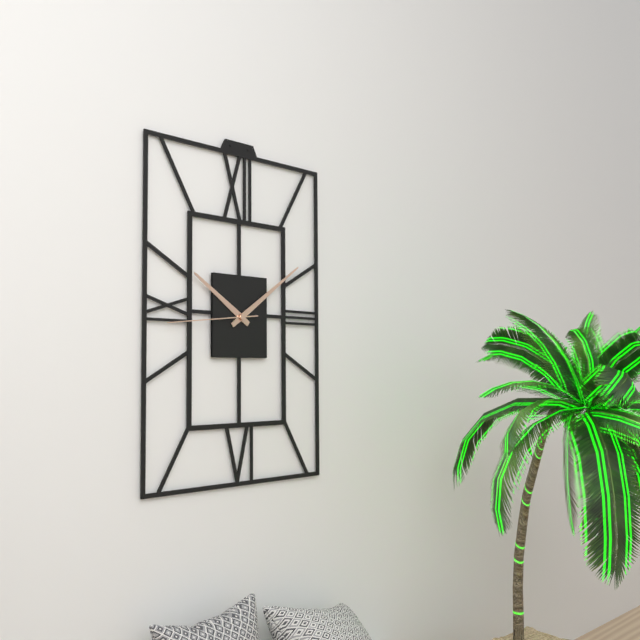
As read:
10:09:44
